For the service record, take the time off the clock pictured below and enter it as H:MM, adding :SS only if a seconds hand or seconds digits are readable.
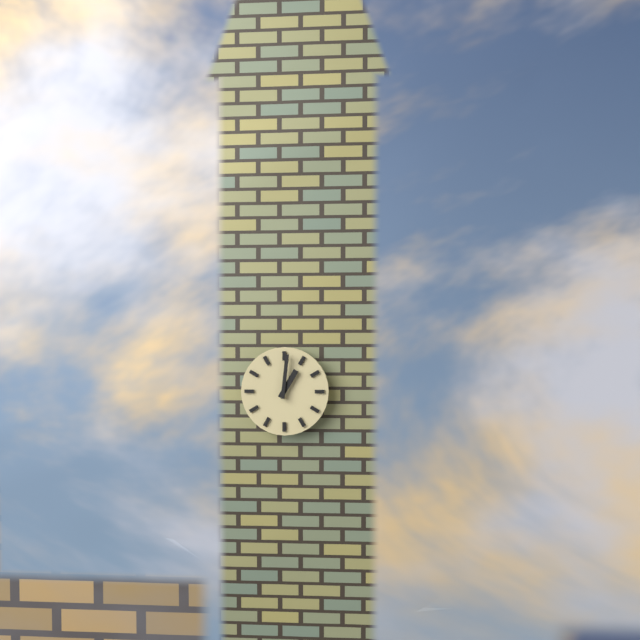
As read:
1:01
